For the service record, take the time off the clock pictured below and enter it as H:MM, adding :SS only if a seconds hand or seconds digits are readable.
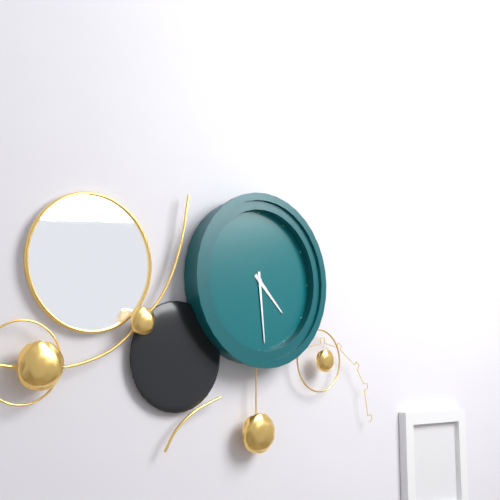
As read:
4:29
